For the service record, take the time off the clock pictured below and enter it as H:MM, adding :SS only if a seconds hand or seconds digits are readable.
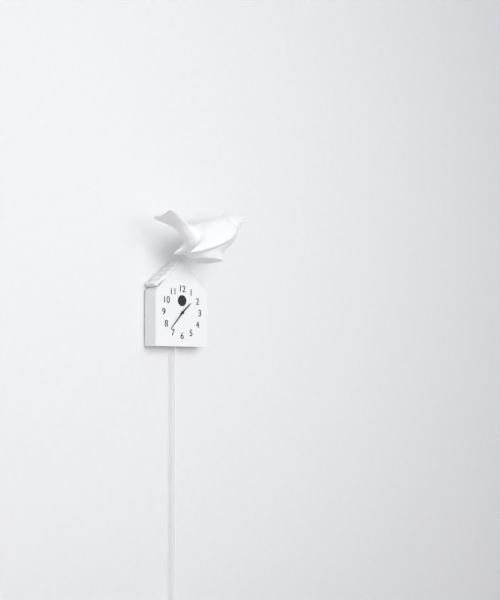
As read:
1:37
